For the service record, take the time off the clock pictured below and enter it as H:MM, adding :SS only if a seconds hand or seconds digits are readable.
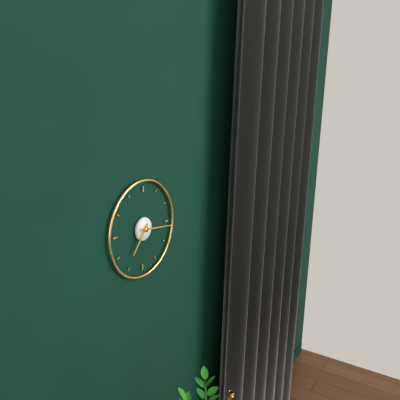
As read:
7:16
